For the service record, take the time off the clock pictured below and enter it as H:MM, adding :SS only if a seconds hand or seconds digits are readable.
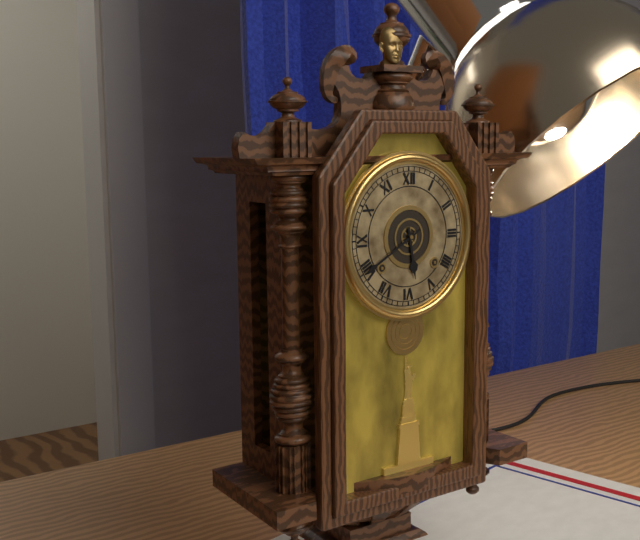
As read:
5:40
